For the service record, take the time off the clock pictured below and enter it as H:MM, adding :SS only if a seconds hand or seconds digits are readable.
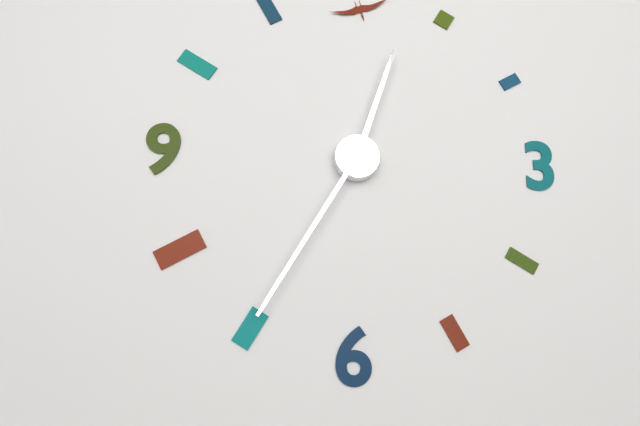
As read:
12:35
